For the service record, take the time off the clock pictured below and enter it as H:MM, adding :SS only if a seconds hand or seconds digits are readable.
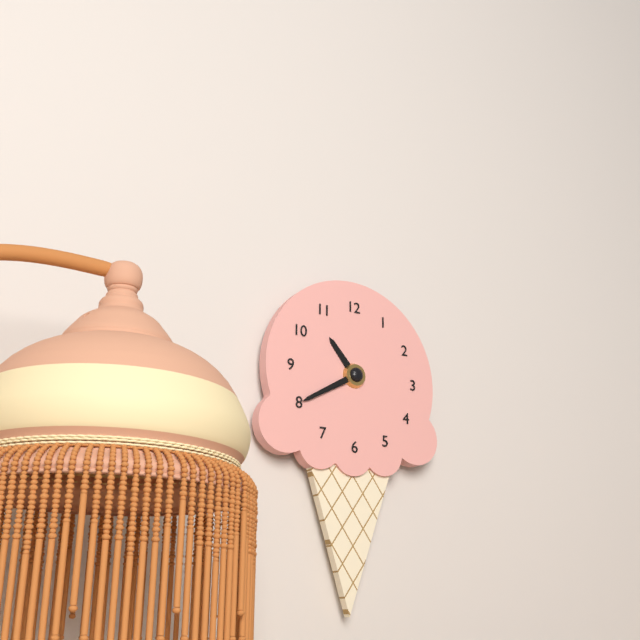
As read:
10:40
